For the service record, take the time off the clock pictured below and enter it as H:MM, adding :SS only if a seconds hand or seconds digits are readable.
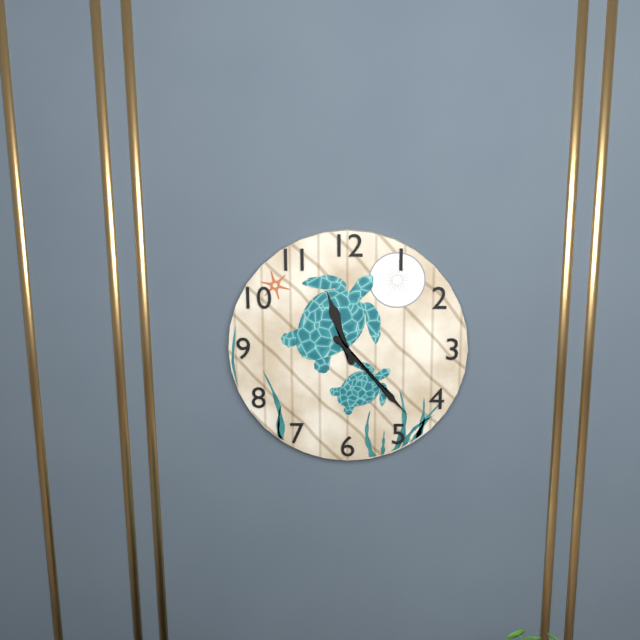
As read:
11:23
